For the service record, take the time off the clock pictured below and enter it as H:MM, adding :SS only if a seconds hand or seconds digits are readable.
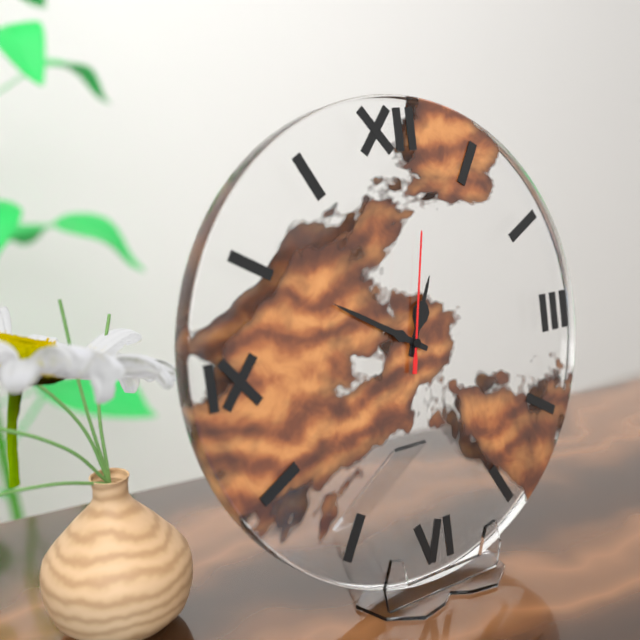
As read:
12:50:02
